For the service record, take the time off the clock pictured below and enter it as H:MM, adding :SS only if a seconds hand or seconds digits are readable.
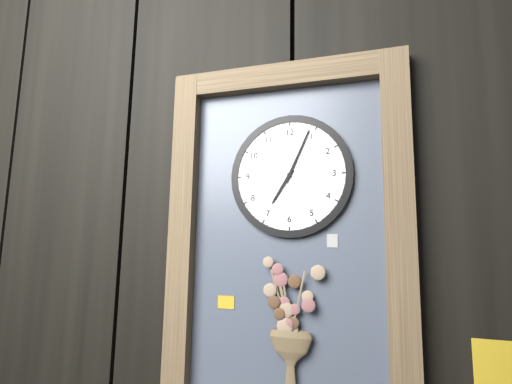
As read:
7:04
